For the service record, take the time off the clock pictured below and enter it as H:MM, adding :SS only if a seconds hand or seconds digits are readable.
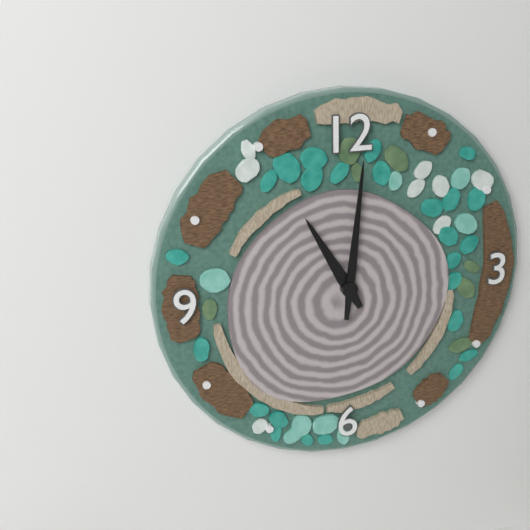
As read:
11:01
